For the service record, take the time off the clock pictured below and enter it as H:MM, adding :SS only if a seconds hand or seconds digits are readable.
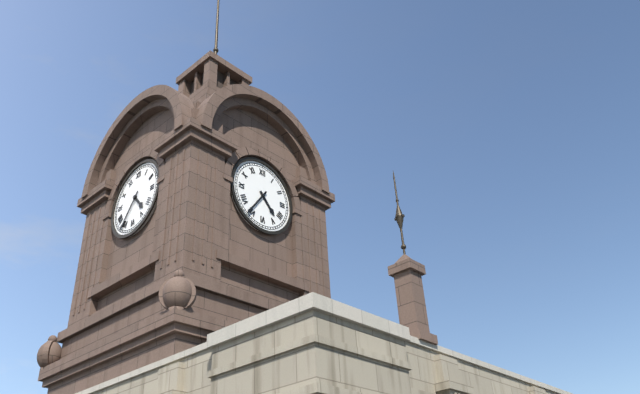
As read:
4:36
